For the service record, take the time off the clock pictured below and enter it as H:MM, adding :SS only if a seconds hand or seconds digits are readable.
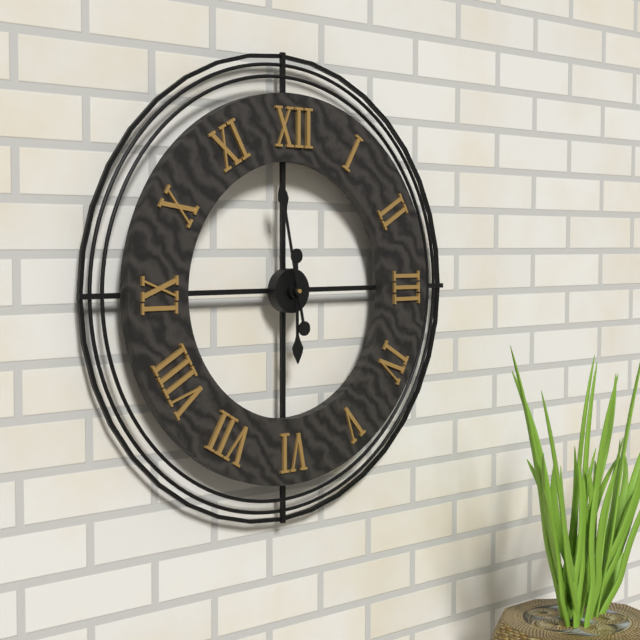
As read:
5:58
